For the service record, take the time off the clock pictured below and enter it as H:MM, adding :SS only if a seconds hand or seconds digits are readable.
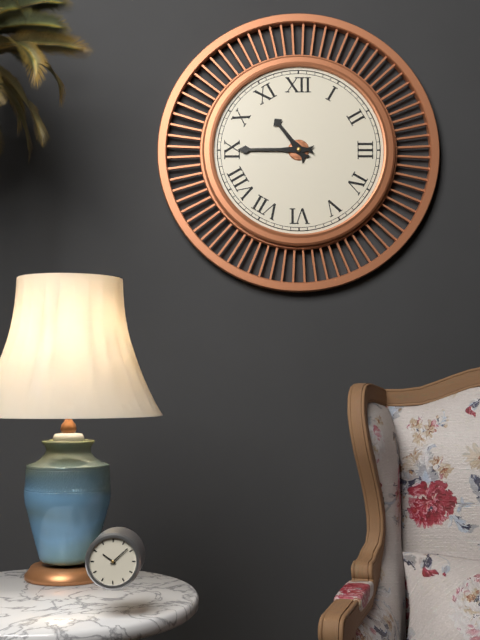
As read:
10:45
